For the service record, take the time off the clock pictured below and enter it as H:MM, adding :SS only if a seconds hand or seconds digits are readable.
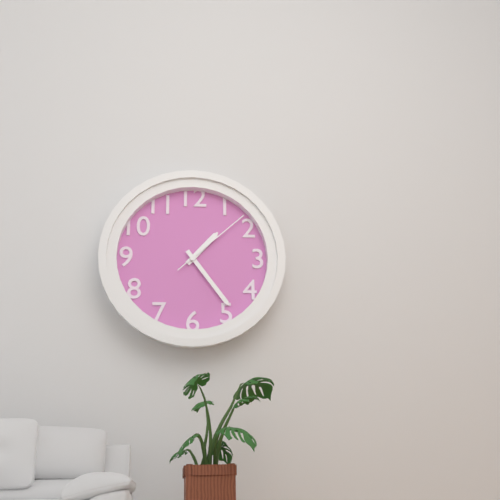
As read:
1:24:08
